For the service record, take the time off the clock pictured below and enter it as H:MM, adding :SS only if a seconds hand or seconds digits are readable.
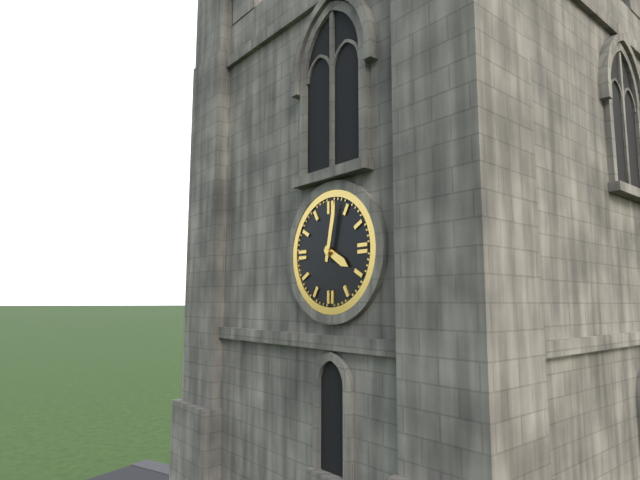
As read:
4:02
